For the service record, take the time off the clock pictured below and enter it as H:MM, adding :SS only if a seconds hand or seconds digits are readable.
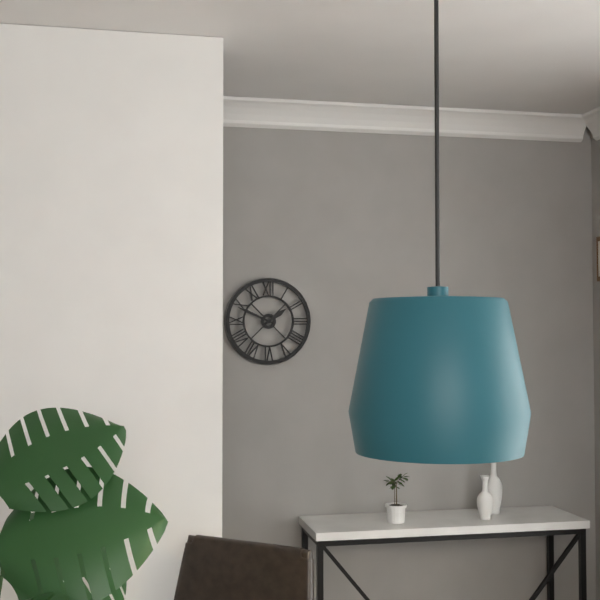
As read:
1:49
